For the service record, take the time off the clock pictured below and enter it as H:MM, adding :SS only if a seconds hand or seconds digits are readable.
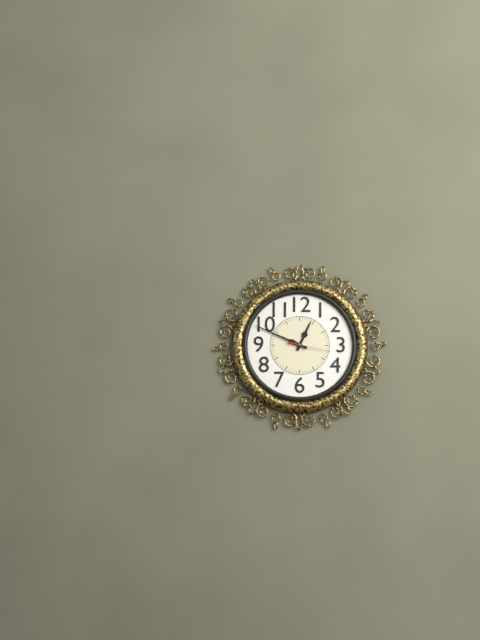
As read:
12:49
